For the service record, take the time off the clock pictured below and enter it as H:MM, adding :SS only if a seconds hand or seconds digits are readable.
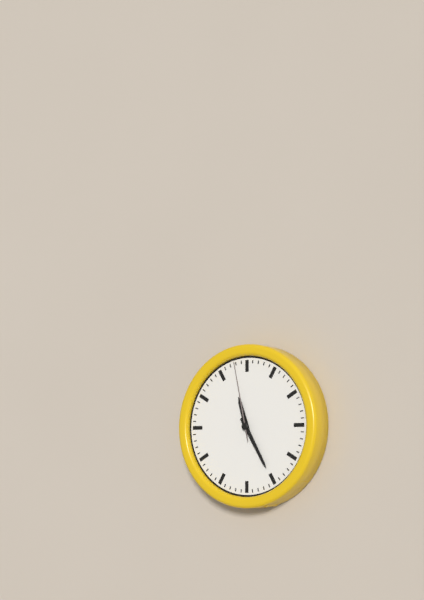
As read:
11:25:58
